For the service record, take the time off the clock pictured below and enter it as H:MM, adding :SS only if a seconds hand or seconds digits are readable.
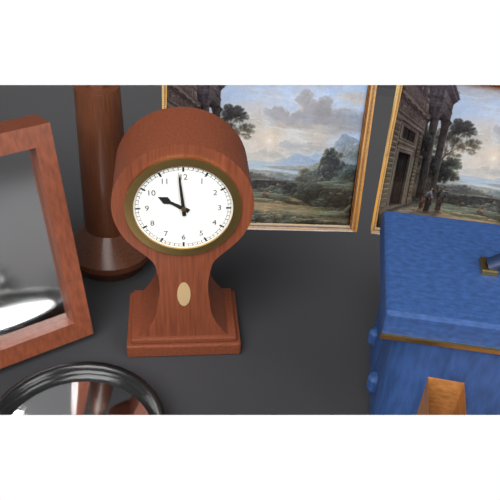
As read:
9:59
